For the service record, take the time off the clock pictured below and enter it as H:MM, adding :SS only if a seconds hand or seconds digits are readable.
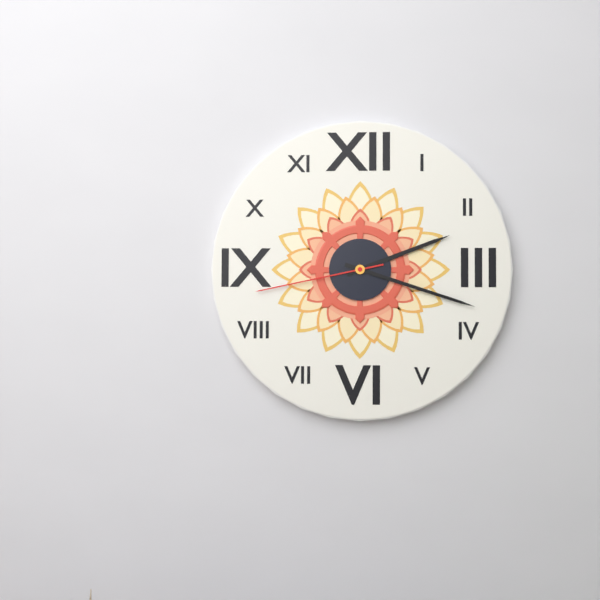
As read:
2:18:43
